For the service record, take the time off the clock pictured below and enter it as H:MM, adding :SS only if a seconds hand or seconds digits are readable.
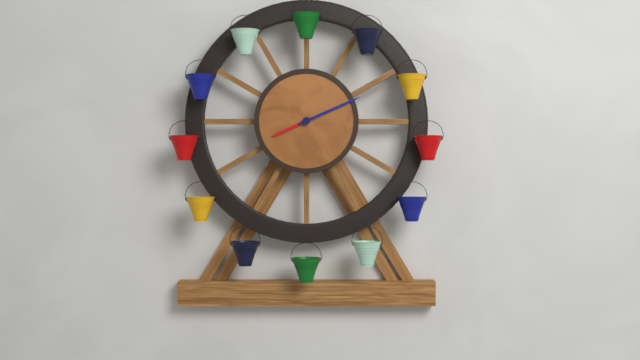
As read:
8:11
